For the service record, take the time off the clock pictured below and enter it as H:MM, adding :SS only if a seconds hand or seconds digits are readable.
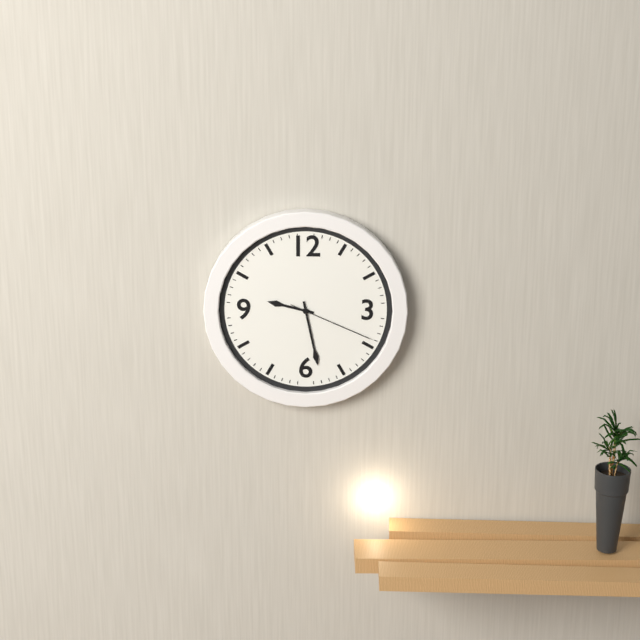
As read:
9:28:19
